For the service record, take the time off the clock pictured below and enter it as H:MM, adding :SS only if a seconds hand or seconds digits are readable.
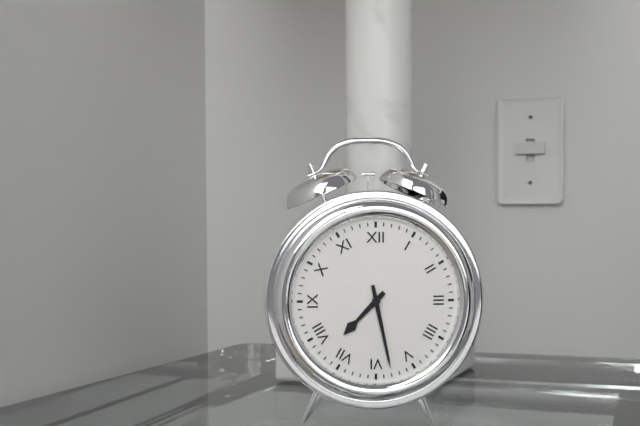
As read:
7:28
